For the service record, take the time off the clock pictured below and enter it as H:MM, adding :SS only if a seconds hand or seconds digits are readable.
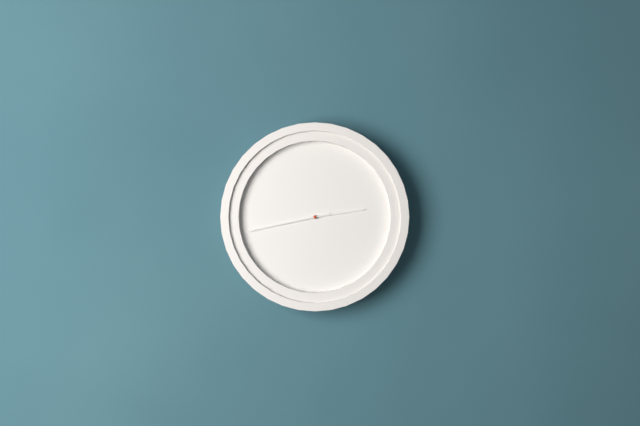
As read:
2:43
